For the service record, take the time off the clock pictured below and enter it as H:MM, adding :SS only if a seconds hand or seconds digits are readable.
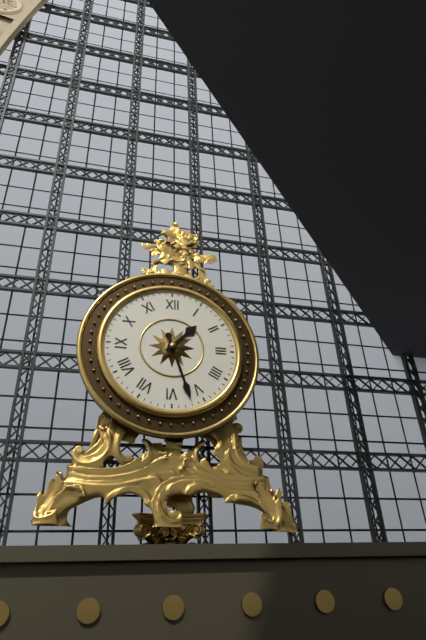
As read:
1:27
